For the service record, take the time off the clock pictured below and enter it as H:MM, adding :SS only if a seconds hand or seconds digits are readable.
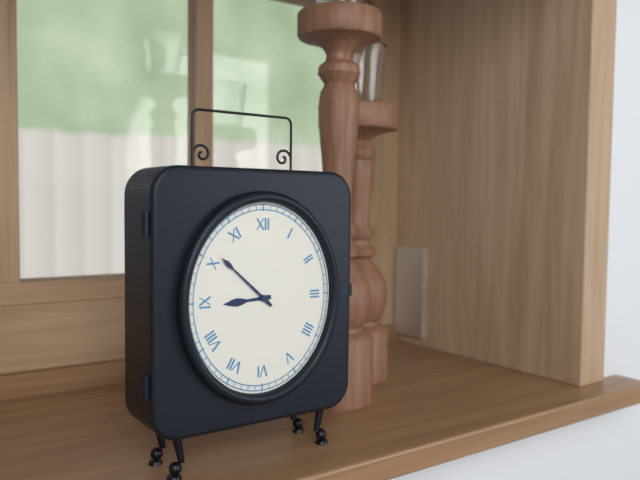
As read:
8:52
